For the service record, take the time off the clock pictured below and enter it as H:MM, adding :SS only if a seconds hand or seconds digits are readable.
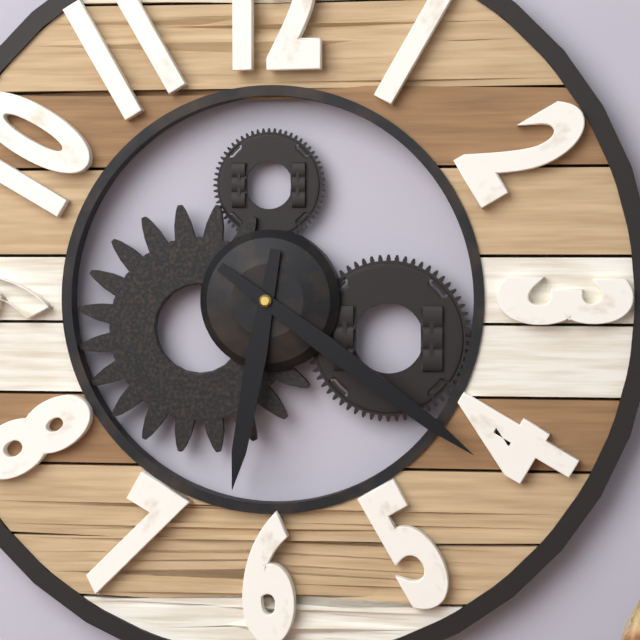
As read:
6:21
